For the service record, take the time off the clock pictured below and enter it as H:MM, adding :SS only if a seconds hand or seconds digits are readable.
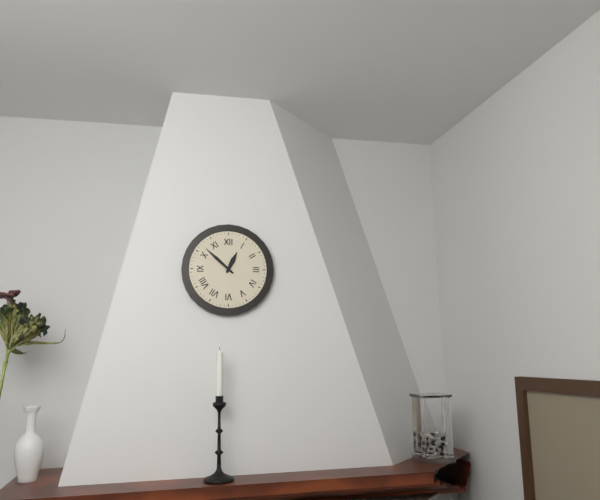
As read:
12:52
